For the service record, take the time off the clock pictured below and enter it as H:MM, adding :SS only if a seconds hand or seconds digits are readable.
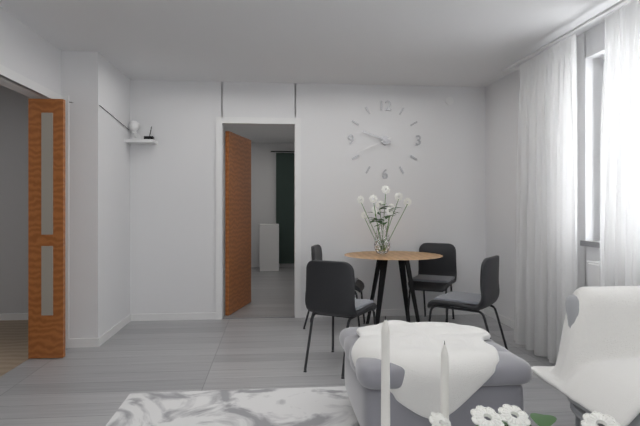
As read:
9:41
